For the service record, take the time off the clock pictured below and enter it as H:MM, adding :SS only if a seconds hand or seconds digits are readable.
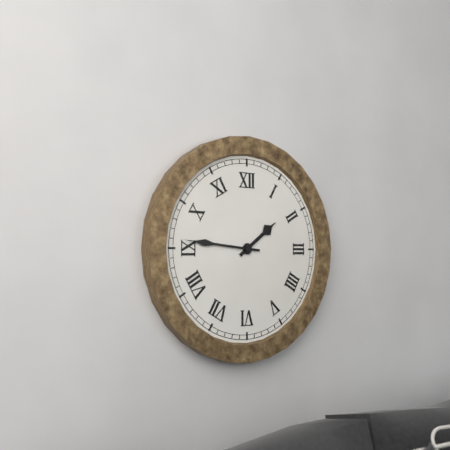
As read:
1:46
